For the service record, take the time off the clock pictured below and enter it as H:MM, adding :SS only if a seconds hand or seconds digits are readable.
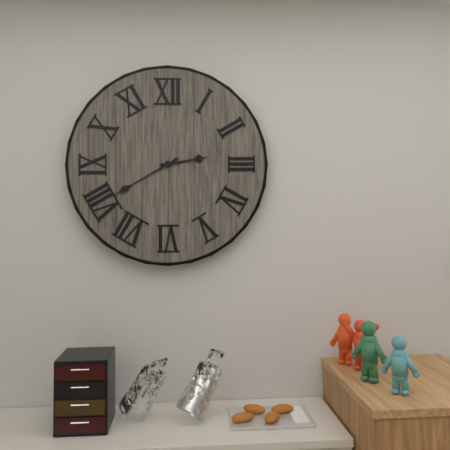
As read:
2:40
